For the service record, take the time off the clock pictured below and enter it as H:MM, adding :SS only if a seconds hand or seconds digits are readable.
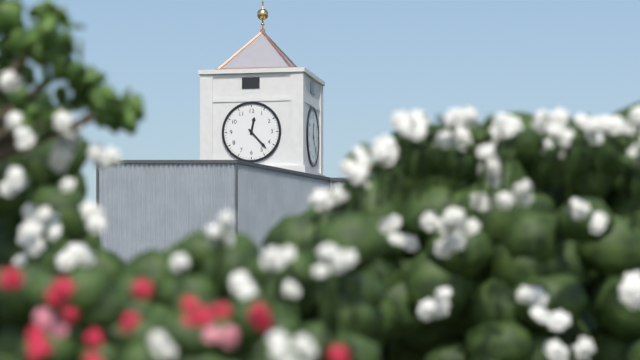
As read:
12:23
